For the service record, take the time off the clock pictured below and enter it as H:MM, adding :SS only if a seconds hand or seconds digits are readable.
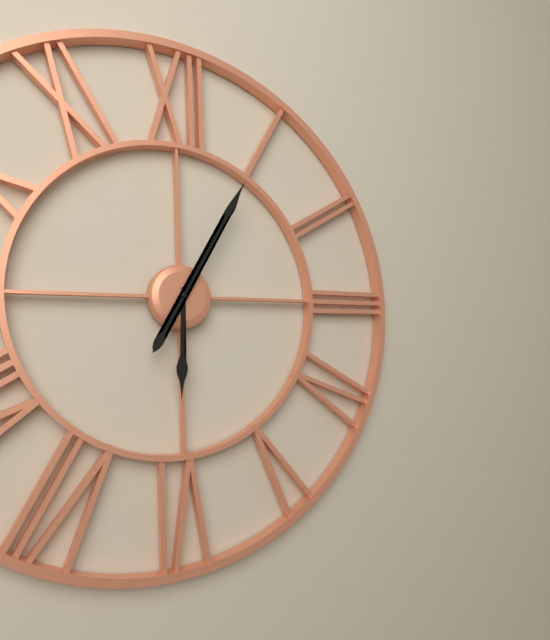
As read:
6:05
